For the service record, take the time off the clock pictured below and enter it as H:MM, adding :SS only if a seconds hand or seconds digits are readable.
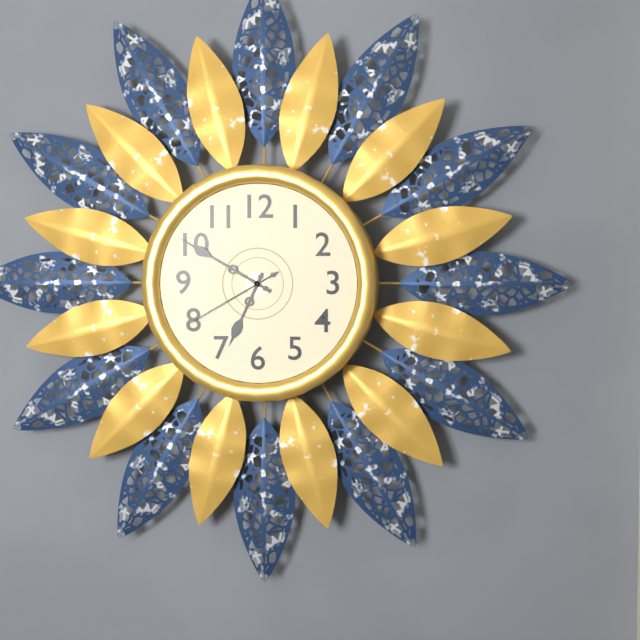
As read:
6:50:40
